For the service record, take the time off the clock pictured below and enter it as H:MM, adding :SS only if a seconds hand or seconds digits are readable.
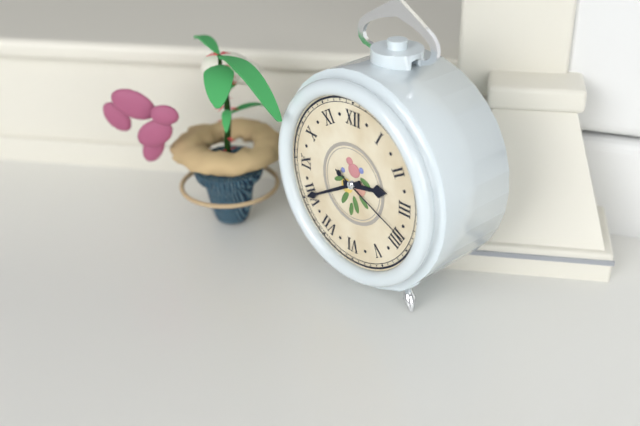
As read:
2:40:19
